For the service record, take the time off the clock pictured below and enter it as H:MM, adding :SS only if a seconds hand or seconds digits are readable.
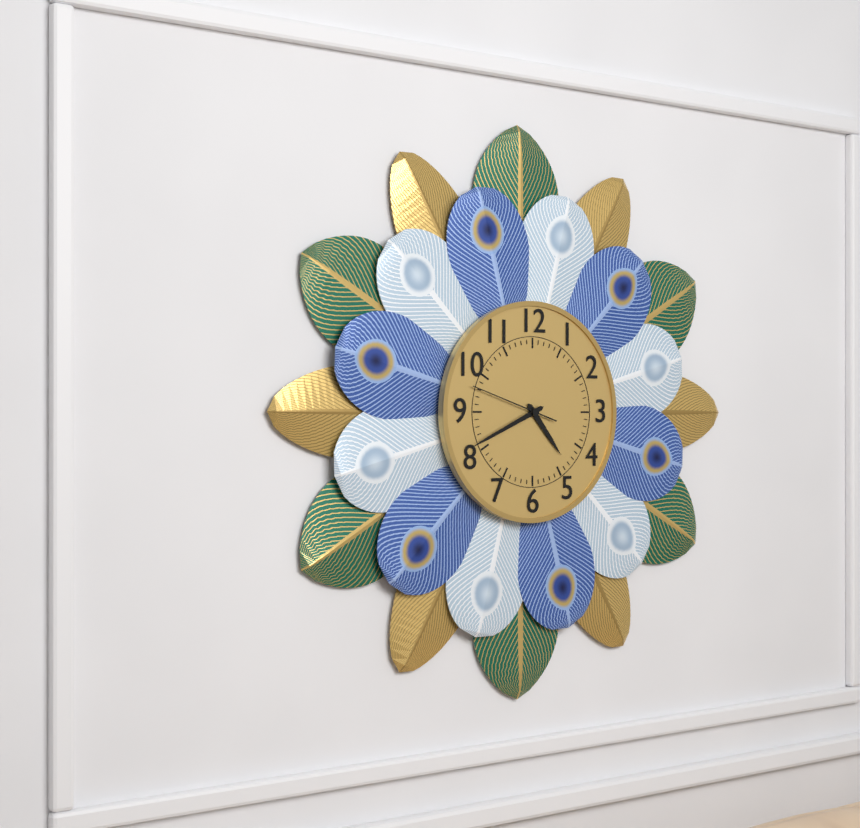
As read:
4:41:48
